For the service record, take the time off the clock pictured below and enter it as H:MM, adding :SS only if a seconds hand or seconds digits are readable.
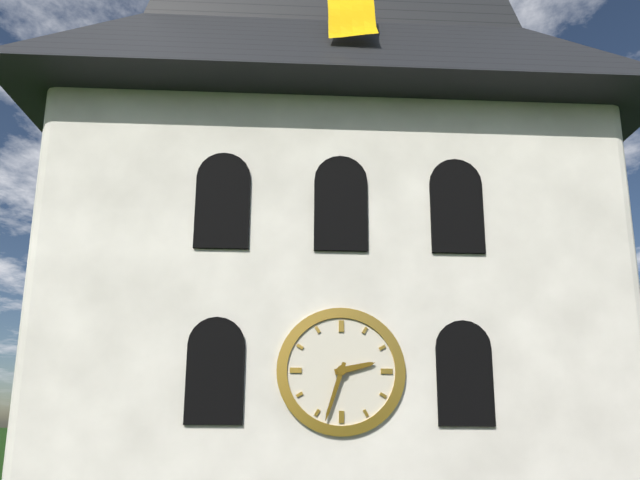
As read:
2:33
